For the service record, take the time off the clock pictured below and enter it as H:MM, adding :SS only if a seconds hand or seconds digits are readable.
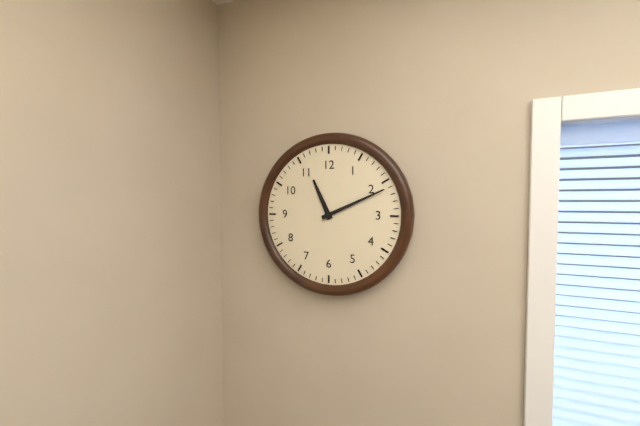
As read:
11:11
